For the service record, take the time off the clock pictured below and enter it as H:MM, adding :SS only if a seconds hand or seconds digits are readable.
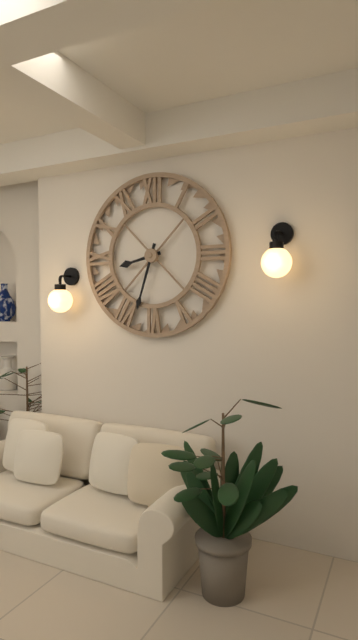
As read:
8:33
